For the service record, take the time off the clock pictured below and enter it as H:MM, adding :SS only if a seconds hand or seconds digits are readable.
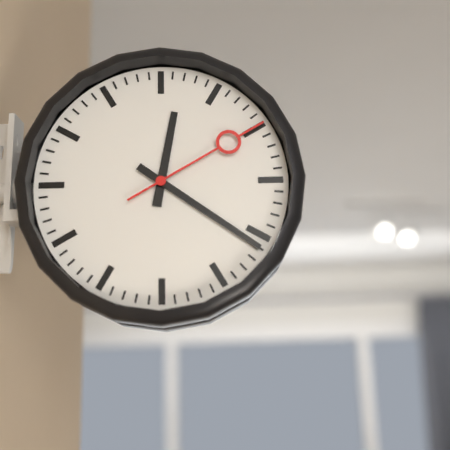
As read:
12:21:10
